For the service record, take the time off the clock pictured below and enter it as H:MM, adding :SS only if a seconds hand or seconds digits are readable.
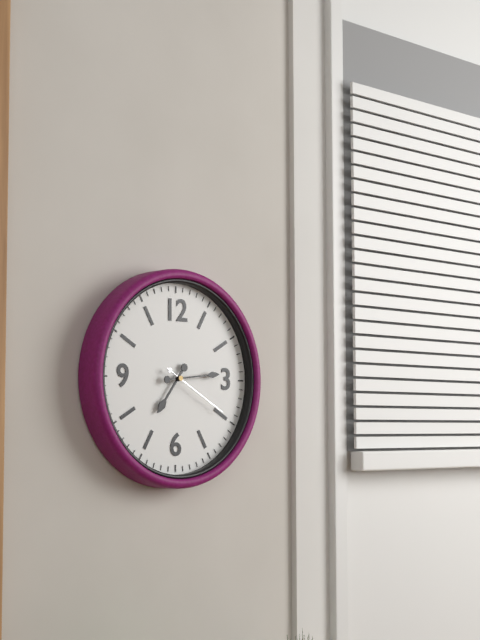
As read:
7:14:20
